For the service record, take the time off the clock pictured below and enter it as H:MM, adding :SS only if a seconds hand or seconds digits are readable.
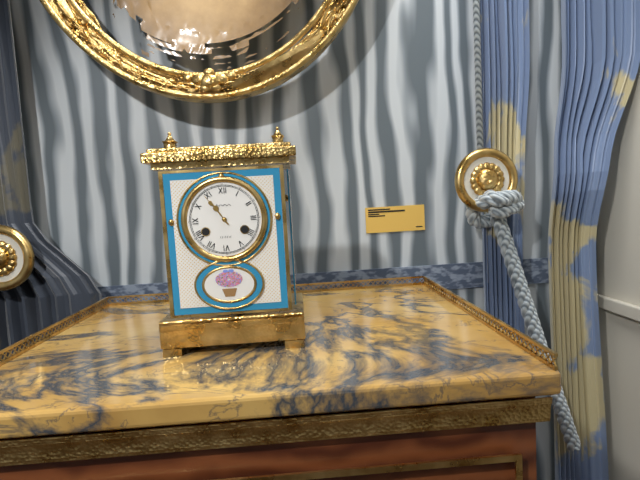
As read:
10:54
